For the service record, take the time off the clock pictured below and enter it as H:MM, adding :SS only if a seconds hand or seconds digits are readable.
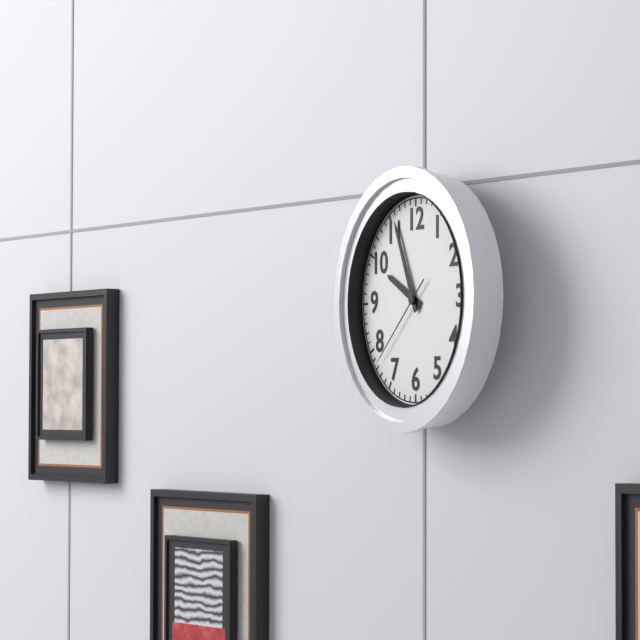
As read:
9:56:38
